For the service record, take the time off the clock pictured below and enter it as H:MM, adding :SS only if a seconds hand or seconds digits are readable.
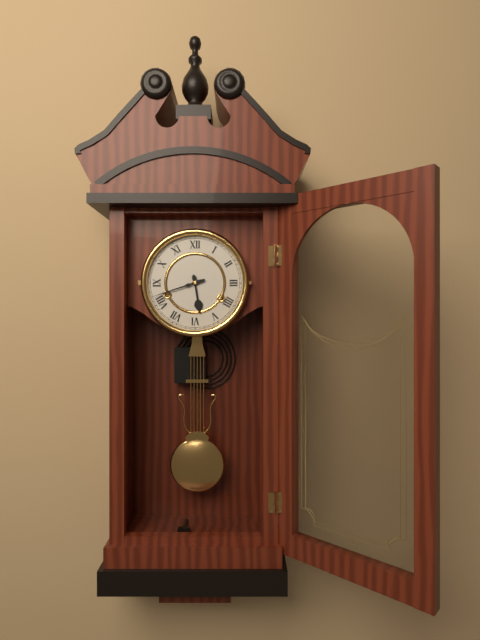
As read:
5:42
